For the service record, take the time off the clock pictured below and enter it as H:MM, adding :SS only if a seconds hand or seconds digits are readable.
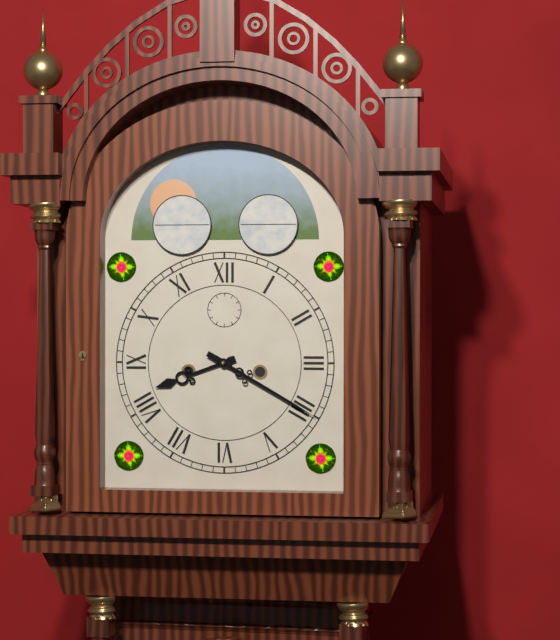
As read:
8:20
